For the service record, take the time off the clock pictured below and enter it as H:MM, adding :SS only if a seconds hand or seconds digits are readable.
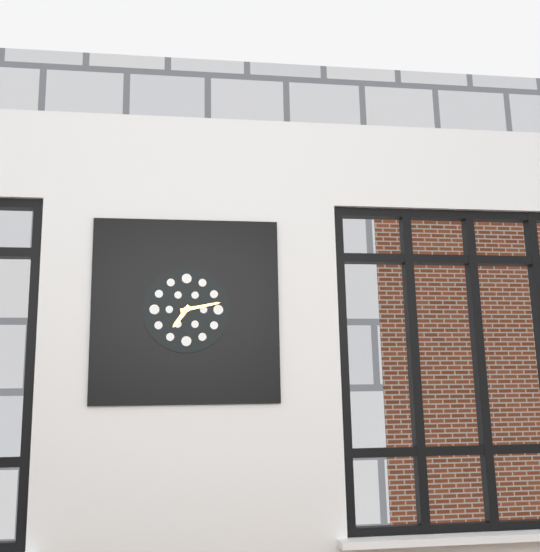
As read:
7:13
